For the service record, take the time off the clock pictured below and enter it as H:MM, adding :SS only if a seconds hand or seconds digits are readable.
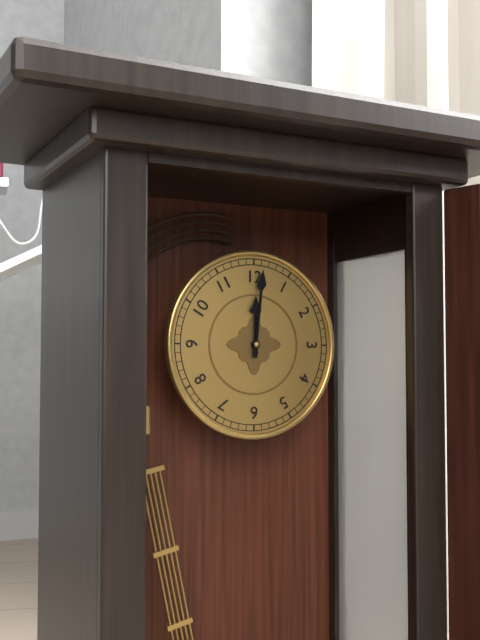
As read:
12:01
